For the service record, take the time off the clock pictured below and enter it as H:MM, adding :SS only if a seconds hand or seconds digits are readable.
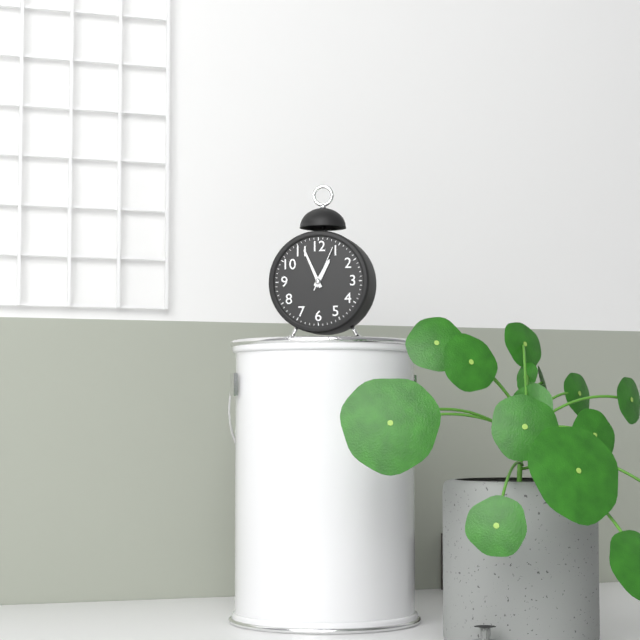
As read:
12:56
